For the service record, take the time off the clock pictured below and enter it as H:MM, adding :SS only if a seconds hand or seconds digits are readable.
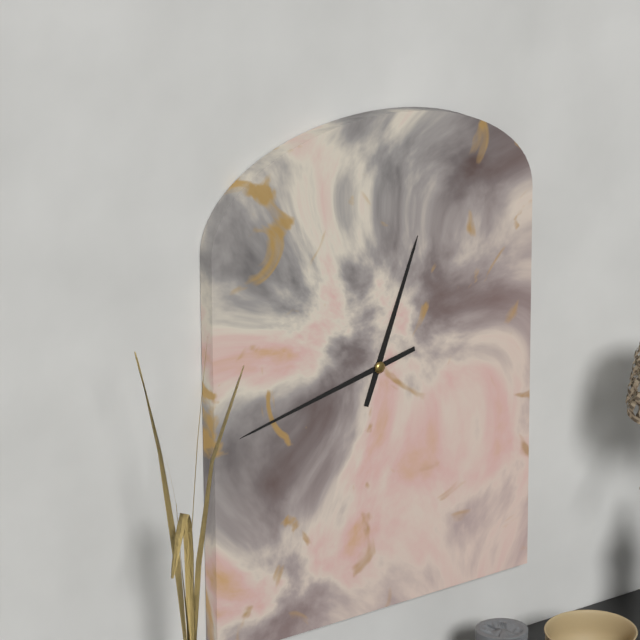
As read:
12:43
